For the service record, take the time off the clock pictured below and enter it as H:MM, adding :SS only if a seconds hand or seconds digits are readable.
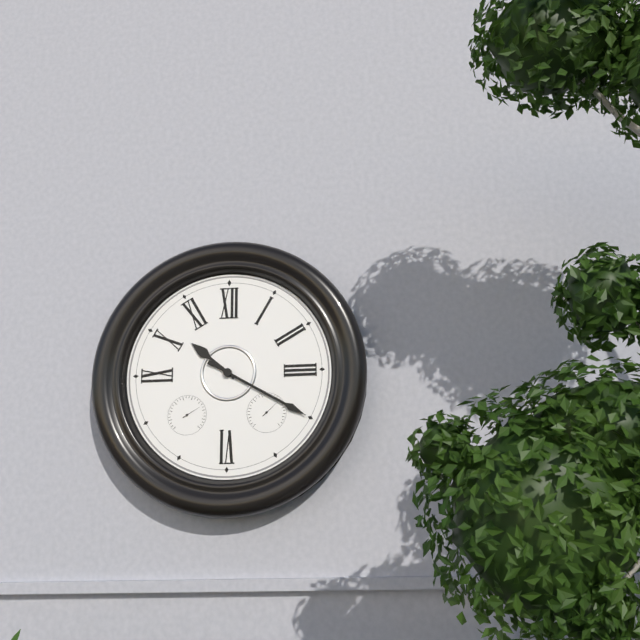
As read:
10:20:20
